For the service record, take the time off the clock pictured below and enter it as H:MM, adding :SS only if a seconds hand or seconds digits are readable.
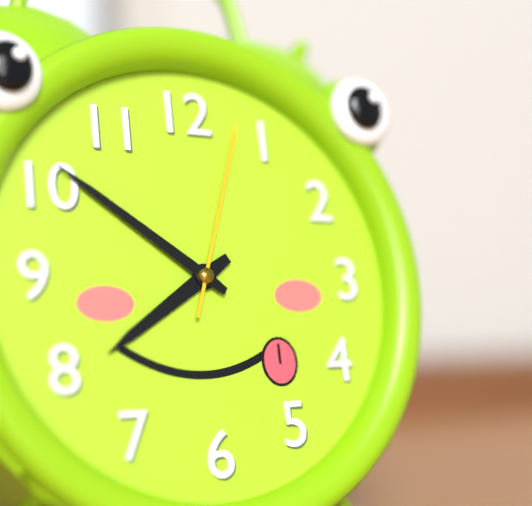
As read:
7:51:03
